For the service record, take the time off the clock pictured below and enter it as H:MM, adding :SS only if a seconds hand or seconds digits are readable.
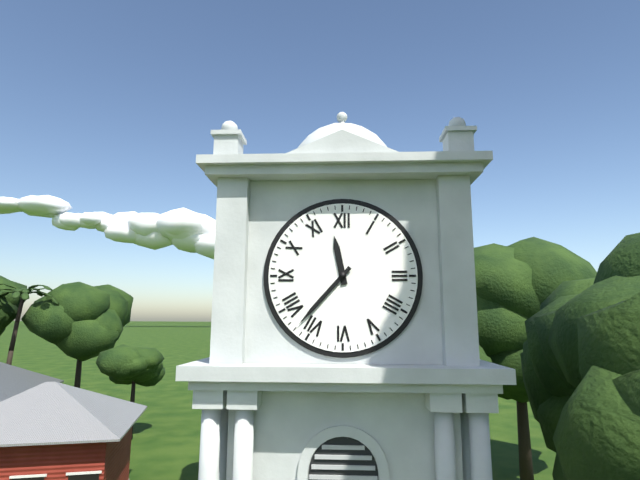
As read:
11:37
